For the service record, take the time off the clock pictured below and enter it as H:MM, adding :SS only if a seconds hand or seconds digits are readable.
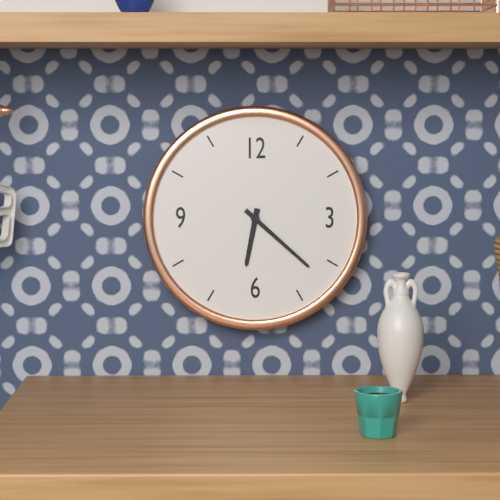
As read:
6:22
